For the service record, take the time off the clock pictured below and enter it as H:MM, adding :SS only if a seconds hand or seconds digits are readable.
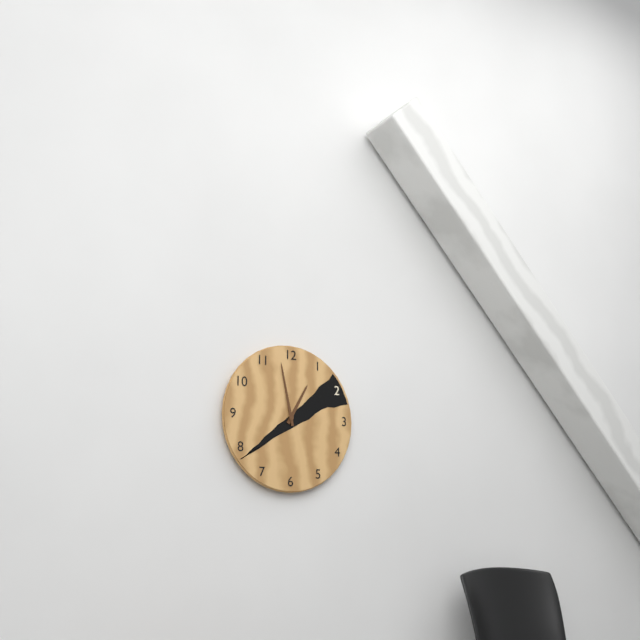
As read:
12:58
